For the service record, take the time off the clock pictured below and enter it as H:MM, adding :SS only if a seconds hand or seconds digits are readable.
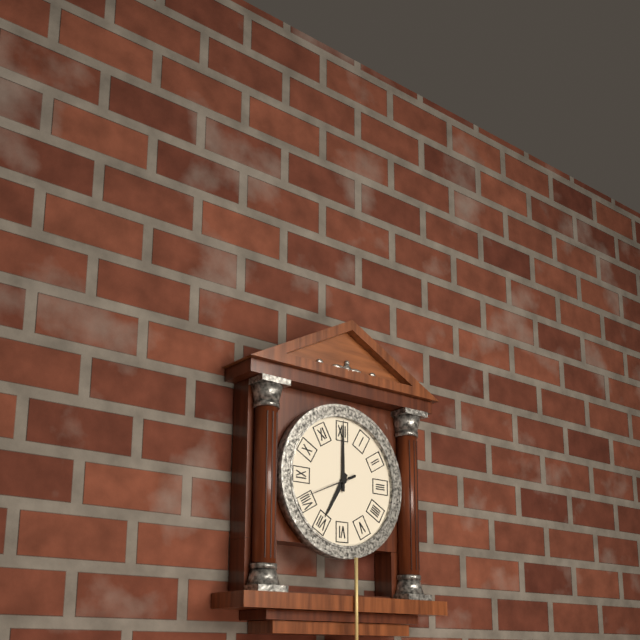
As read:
7:00:41
